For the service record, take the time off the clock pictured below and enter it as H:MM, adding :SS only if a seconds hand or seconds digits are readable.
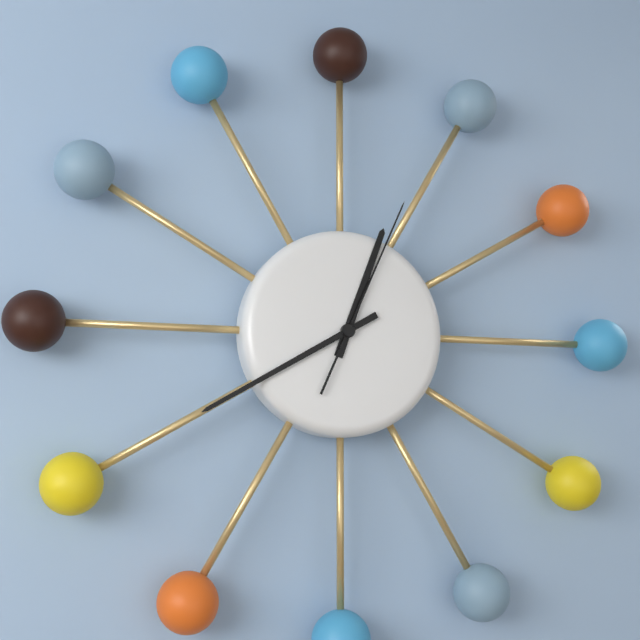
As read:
12:40:04
